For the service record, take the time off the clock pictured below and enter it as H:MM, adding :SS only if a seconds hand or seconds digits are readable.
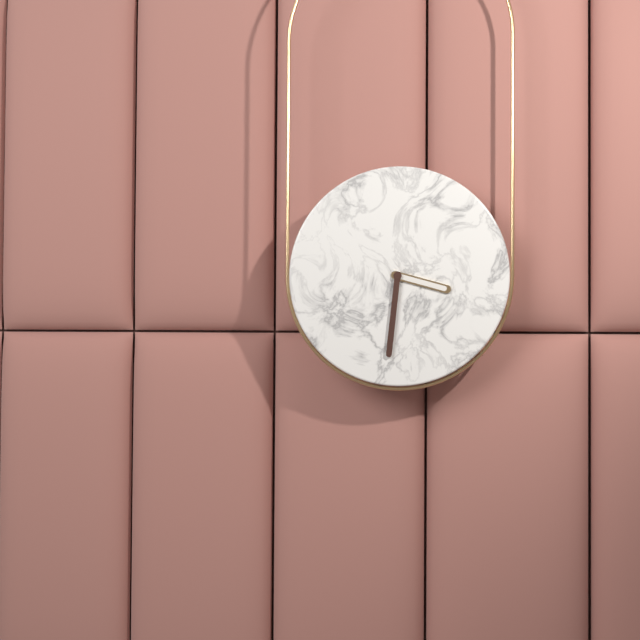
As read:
3:31
